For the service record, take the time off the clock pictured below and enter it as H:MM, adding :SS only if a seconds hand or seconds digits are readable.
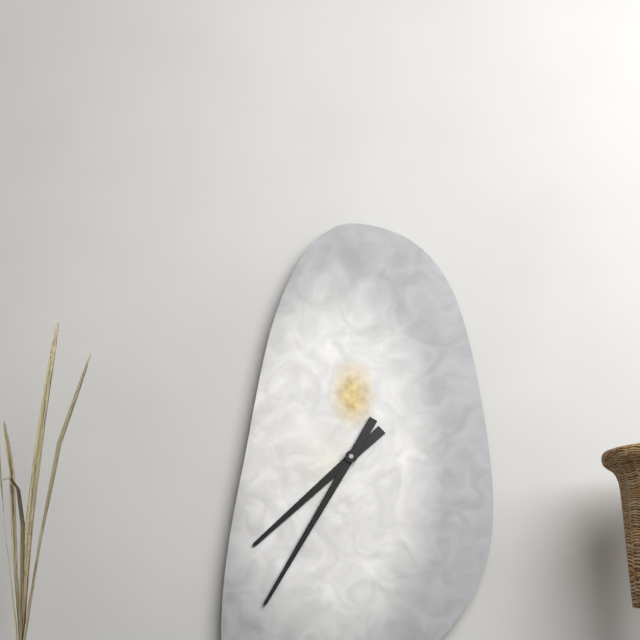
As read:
7:35
